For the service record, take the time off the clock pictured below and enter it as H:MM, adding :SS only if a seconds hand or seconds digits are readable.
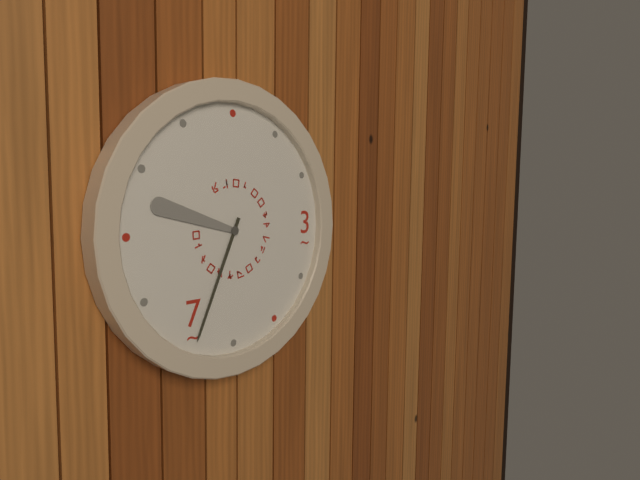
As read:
9:34
